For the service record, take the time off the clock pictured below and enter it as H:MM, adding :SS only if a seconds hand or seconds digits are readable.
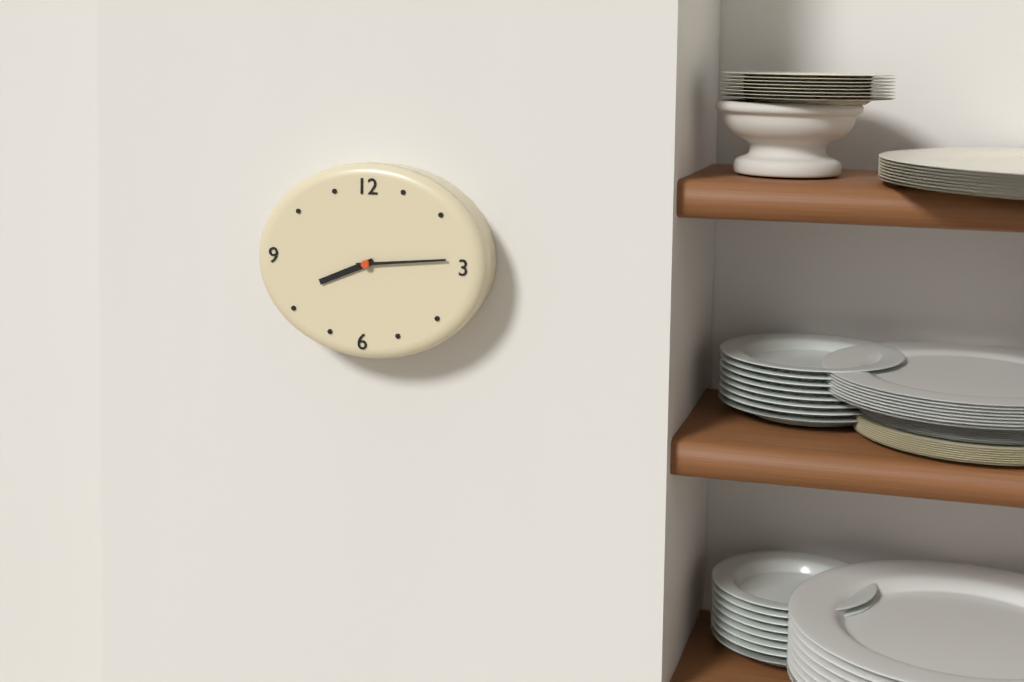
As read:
8:14
